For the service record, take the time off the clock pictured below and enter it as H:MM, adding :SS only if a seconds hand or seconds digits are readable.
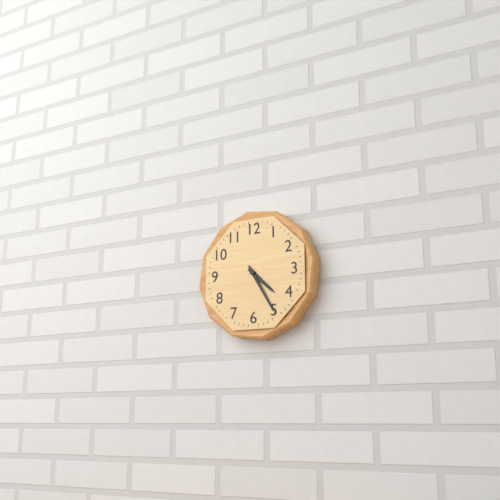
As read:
4:25
